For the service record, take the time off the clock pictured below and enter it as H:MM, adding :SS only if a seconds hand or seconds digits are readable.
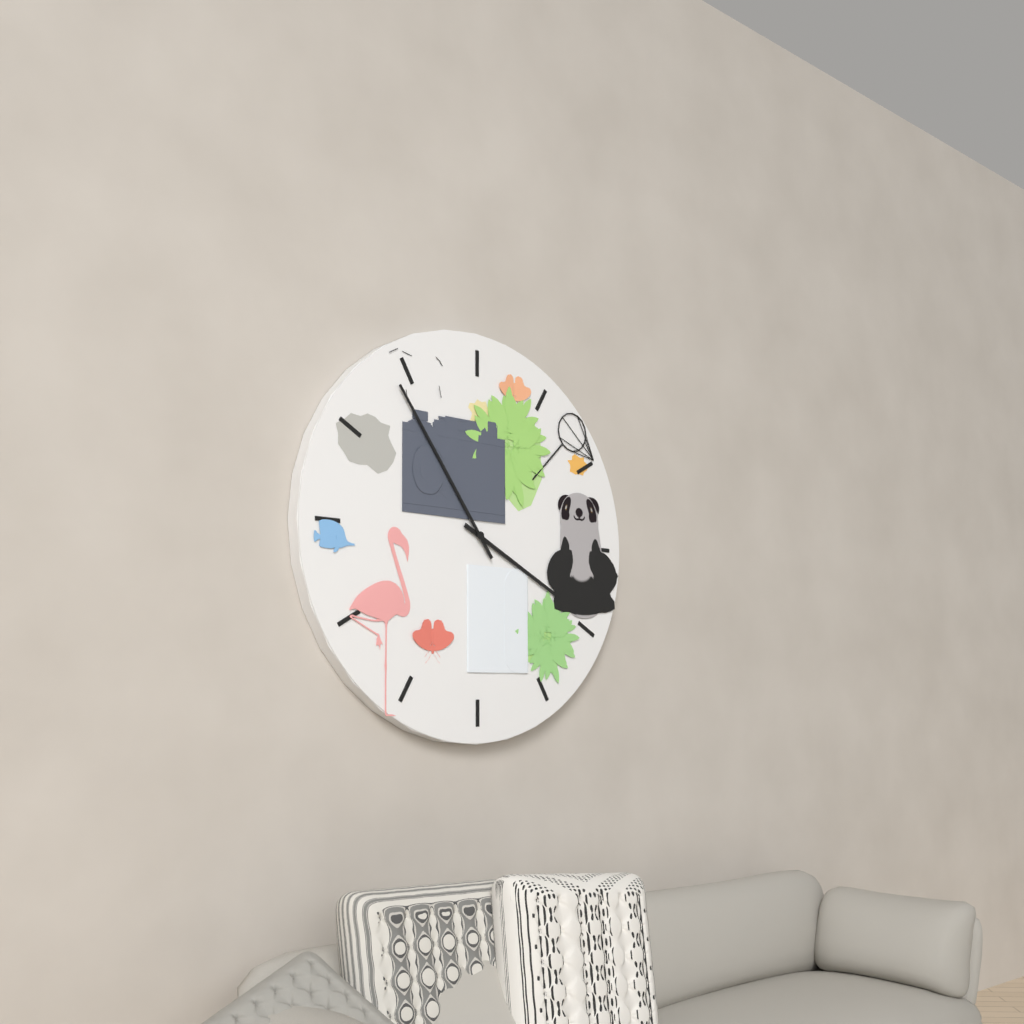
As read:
3:54
